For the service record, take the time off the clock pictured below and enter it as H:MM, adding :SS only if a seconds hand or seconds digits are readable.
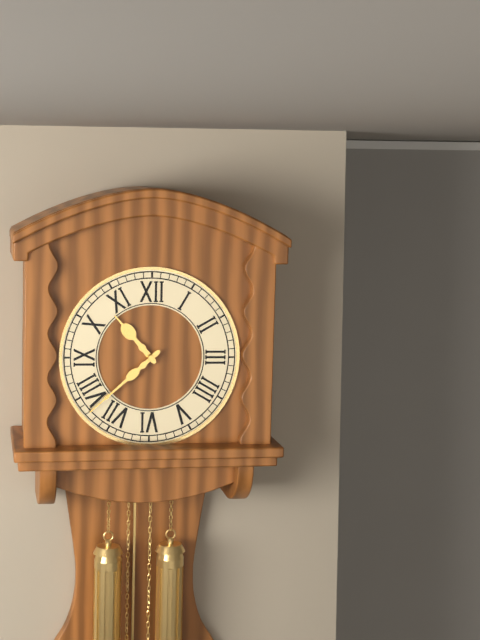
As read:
10:38
